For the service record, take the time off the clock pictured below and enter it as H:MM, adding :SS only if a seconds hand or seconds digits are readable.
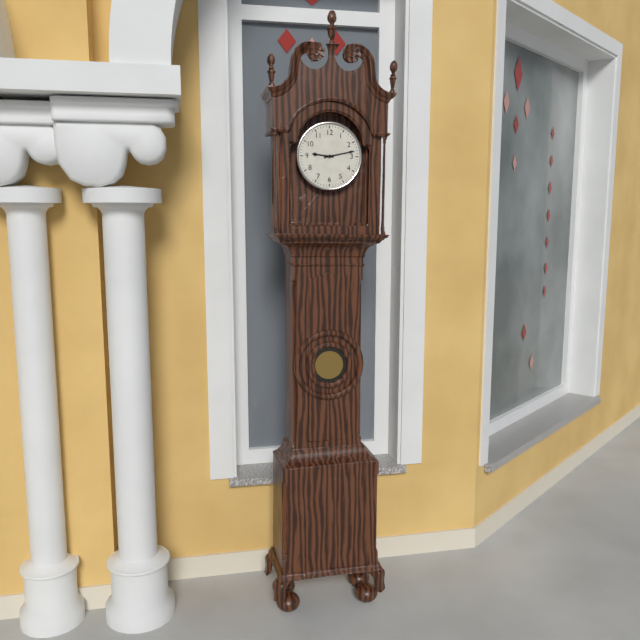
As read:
9:13
